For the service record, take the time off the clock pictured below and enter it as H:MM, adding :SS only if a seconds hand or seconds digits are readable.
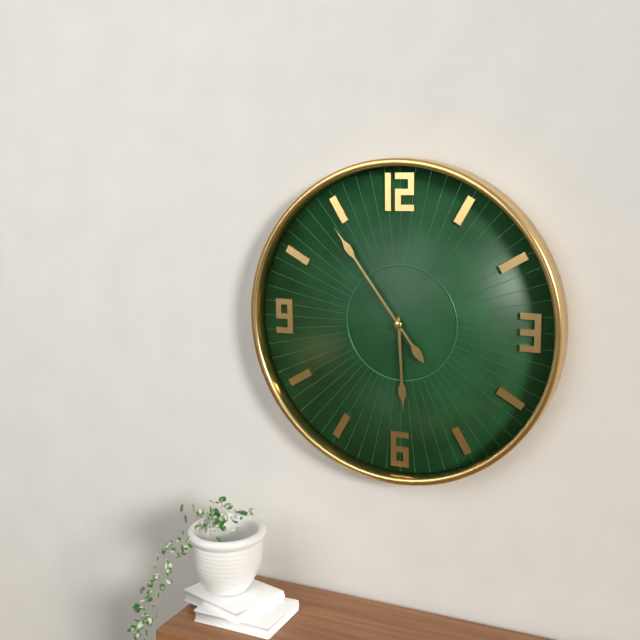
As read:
5:54
